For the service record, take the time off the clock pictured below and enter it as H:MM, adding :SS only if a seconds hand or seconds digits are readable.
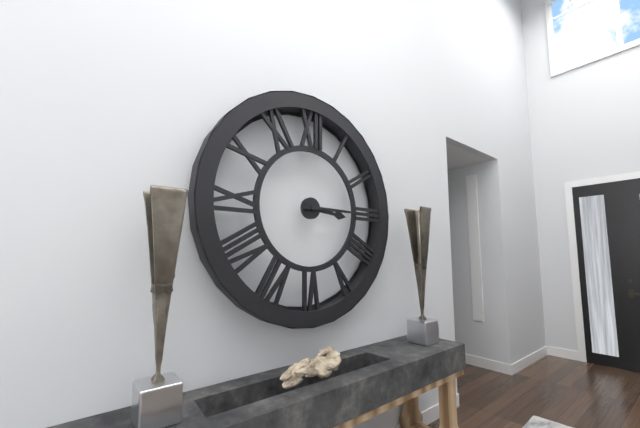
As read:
3:15
